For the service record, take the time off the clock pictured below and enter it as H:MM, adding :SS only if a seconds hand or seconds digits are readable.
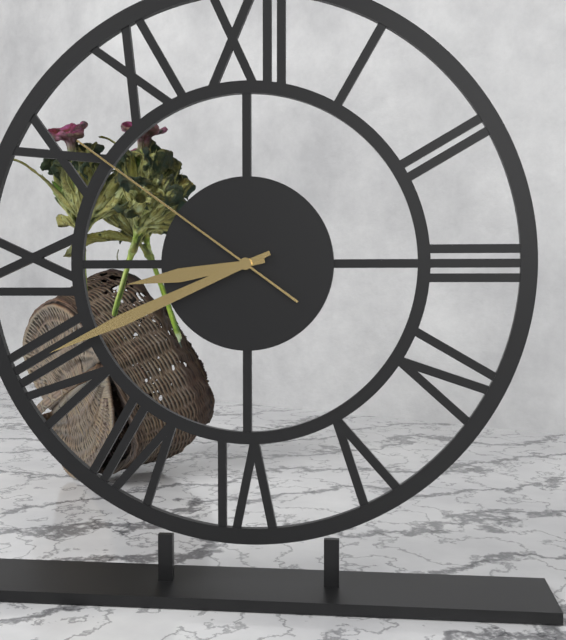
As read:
8:41:51
